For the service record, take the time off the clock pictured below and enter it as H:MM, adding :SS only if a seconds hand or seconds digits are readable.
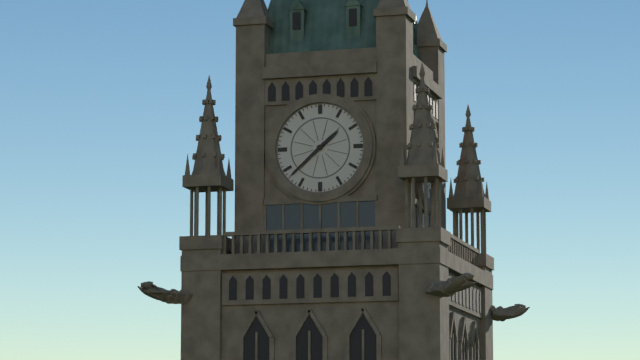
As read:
1:38
